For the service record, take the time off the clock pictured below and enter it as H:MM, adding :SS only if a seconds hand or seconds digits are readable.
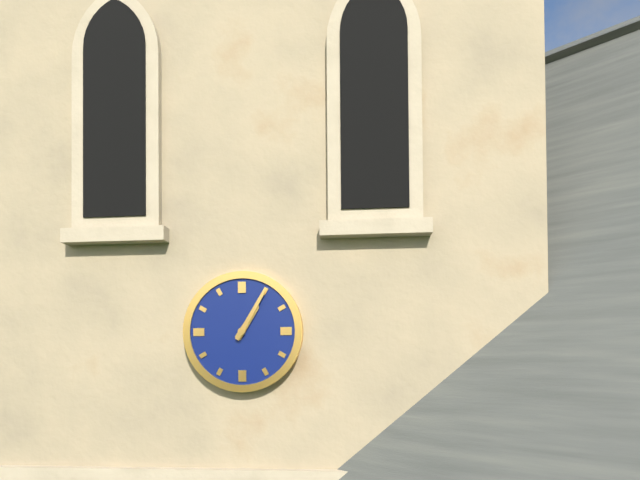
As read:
1:05
